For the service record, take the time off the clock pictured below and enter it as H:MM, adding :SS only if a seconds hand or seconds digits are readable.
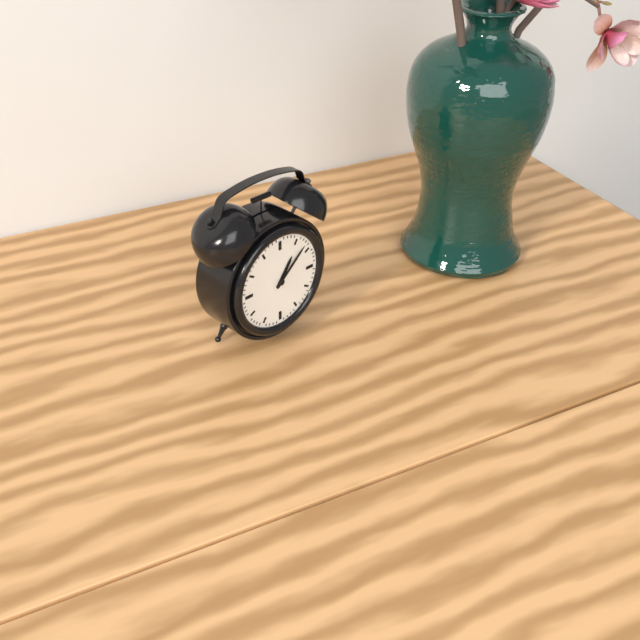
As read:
1:08
